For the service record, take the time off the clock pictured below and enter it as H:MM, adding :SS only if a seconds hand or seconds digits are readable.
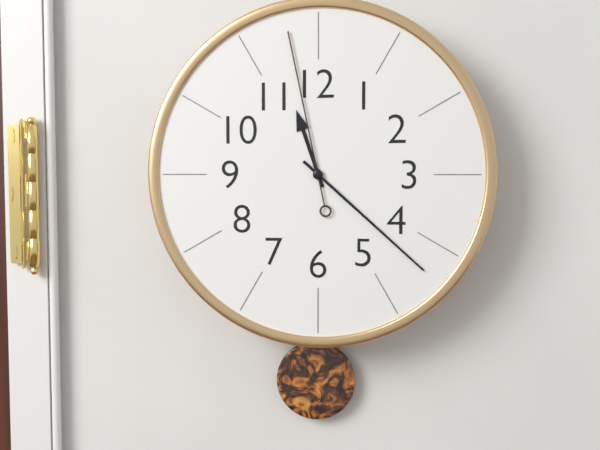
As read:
11:22:58
